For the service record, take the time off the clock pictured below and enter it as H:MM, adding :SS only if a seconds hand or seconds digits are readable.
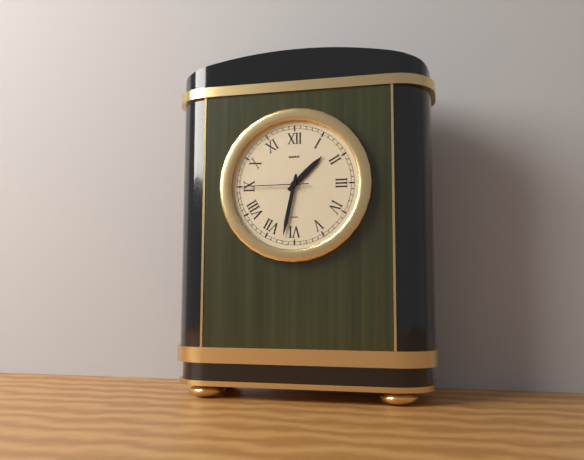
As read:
1:32:45
